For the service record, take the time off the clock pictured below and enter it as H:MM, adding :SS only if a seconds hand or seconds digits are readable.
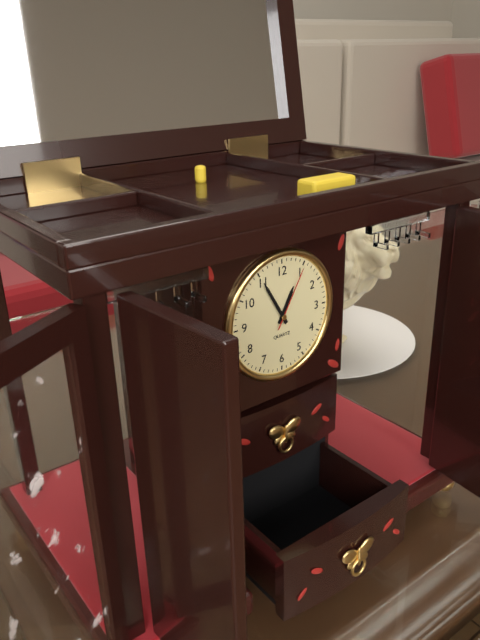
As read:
12:55:05
